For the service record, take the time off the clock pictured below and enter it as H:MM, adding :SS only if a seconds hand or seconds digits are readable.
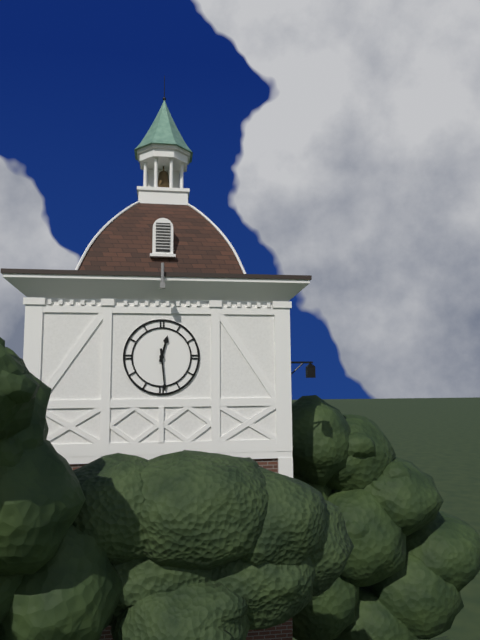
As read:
12:29
